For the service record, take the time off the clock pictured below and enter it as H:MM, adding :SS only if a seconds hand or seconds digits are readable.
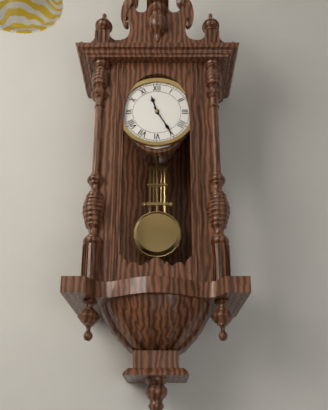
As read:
11:25
